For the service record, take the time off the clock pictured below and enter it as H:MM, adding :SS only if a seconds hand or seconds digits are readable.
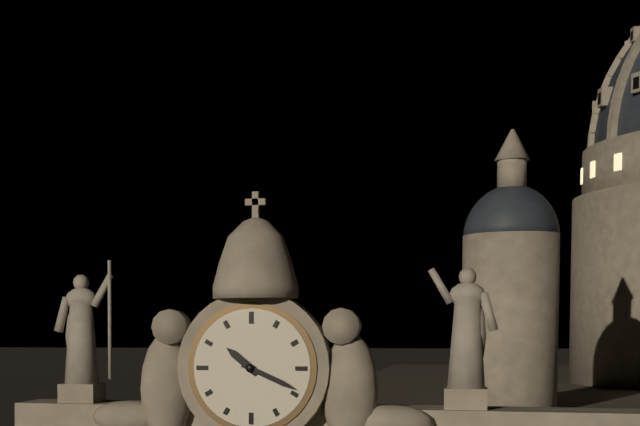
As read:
10:19
